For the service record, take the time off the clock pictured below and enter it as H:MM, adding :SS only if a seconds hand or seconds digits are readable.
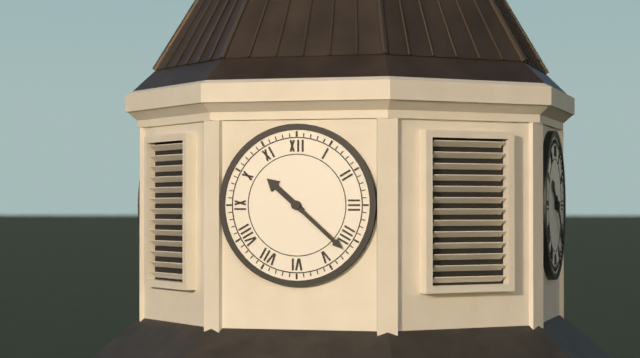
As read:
10:22
